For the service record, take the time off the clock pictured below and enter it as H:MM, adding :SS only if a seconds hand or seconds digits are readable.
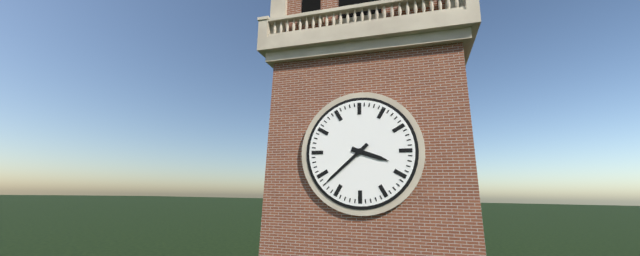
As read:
3:38
